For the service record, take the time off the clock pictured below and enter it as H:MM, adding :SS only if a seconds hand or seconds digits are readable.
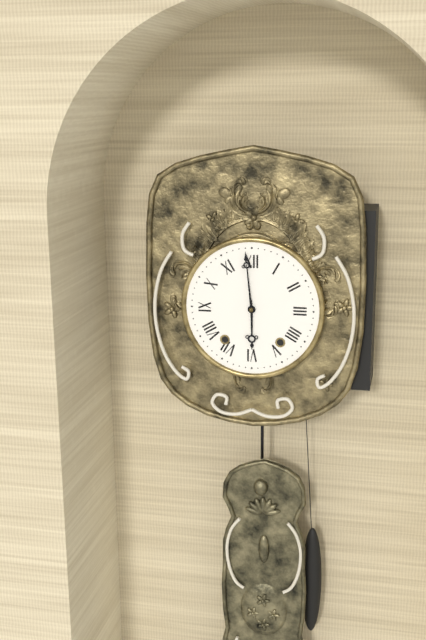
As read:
5:59
